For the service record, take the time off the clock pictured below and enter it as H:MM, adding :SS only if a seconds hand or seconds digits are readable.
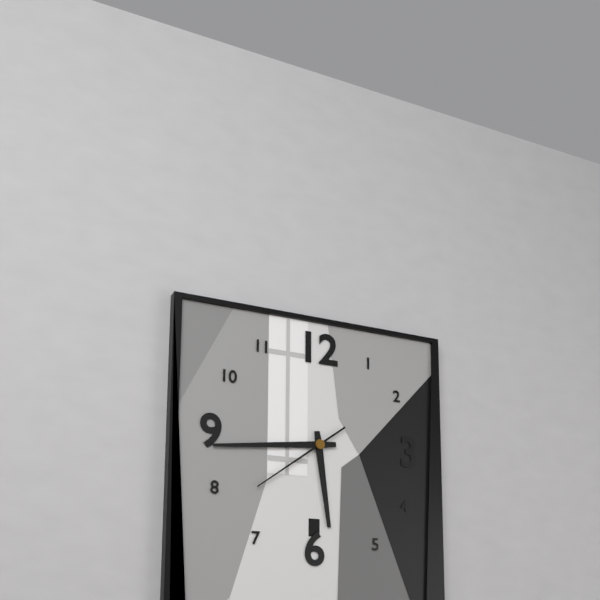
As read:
5:44:39
